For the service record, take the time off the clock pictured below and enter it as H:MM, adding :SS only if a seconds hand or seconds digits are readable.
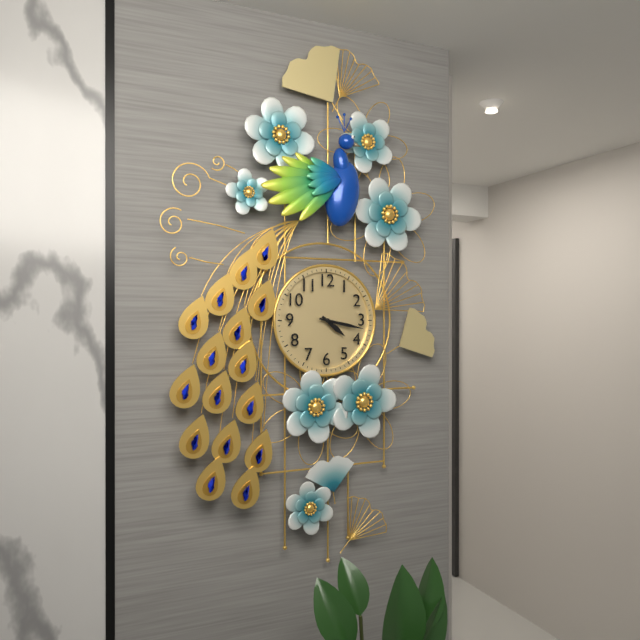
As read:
4:17
